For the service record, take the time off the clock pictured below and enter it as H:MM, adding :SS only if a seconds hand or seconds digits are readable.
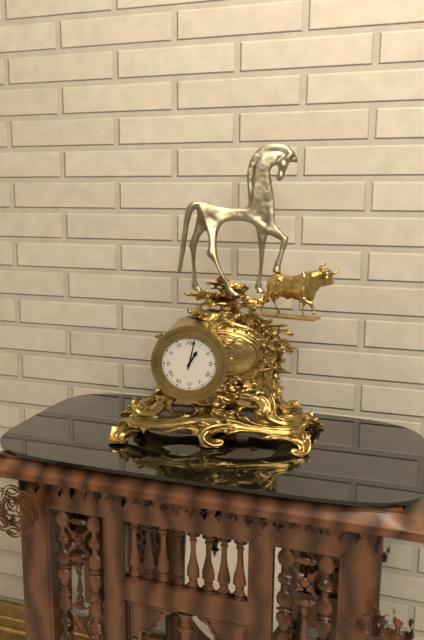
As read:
1:02
